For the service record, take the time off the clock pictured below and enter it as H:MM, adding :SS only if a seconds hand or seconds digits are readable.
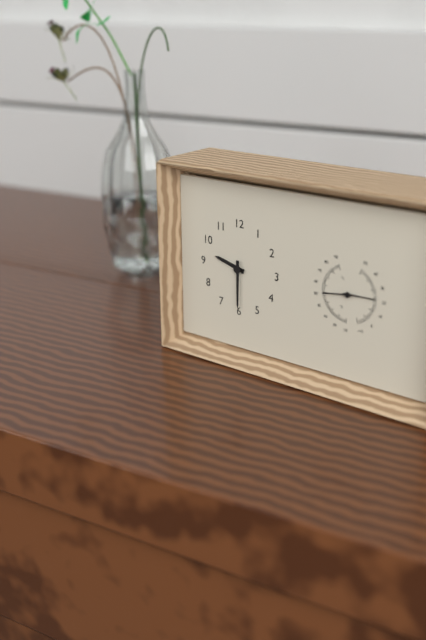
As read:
9:30
